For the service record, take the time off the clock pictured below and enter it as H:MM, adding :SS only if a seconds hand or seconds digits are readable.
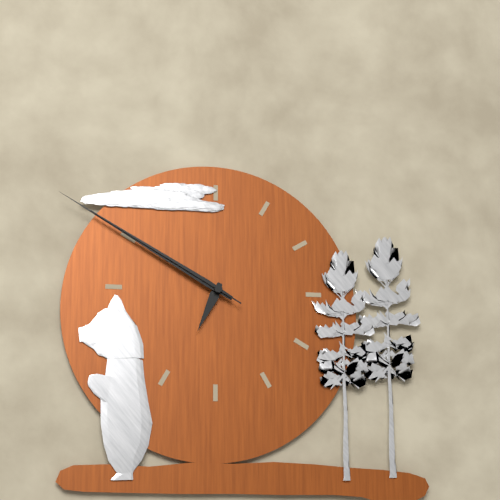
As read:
6:50:50
